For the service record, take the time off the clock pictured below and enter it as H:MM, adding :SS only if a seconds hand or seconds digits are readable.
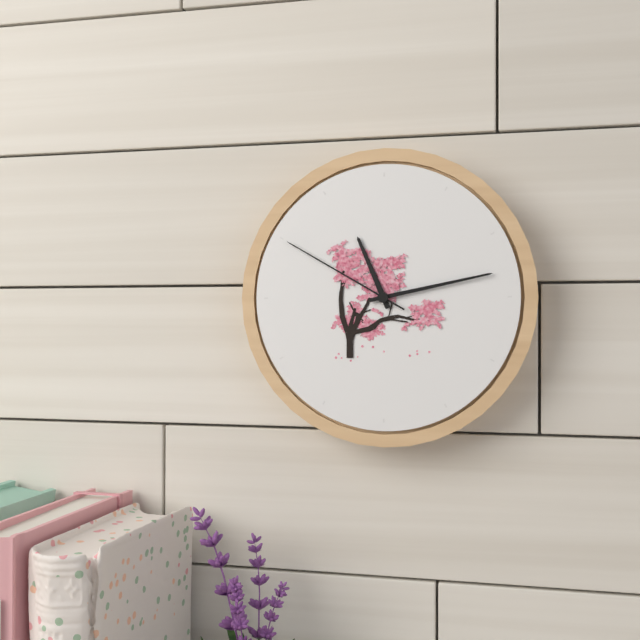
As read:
11:13:50
